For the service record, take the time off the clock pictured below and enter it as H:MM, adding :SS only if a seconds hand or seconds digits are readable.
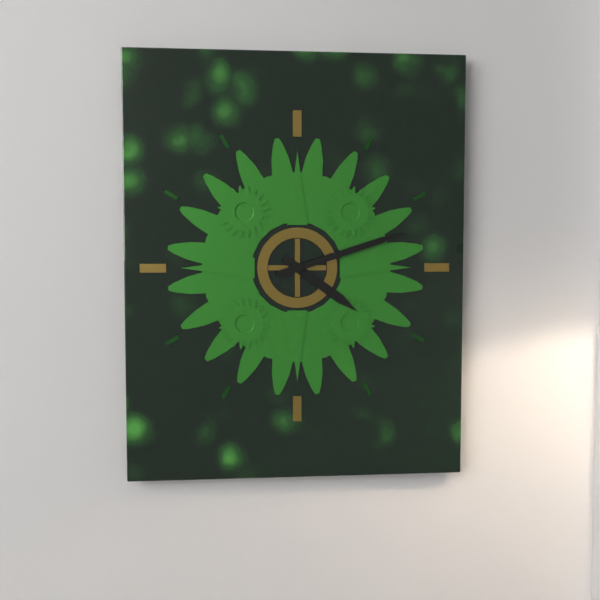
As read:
4:12
